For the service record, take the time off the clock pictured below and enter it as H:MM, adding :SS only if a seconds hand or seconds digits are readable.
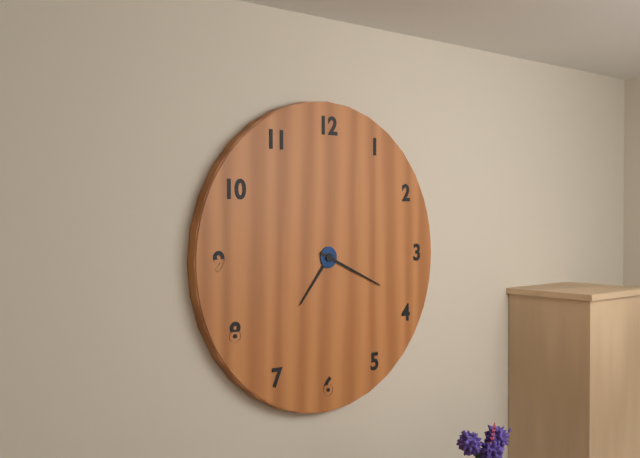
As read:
7:19
